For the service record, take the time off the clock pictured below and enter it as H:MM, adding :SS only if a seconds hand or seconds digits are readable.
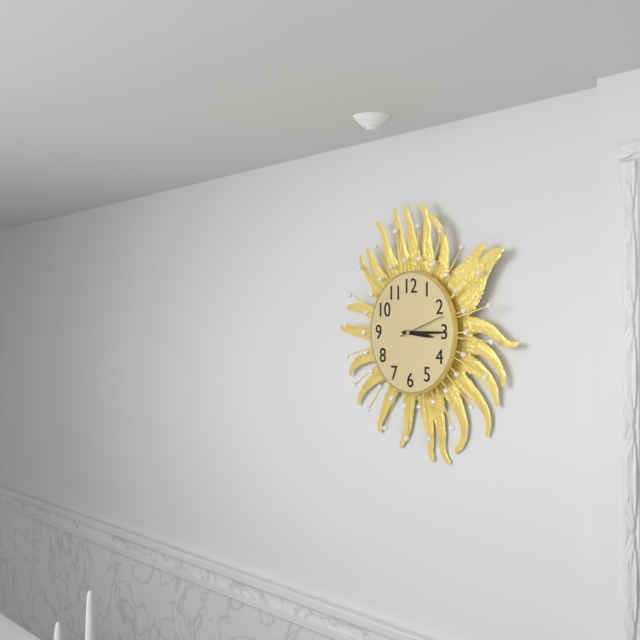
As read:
3:15
